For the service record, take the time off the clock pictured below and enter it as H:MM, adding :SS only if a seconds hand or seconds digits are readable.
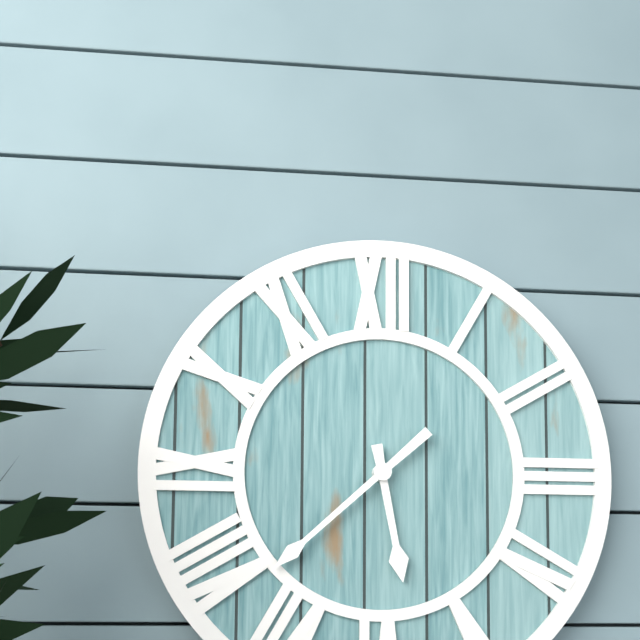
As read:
5:38
